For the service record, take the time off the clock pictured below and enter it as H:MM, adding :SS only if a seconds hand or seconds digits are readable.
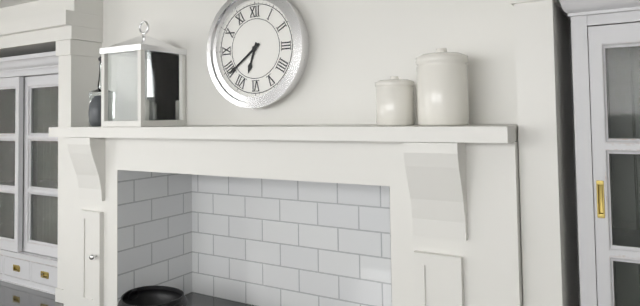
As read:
6:39
